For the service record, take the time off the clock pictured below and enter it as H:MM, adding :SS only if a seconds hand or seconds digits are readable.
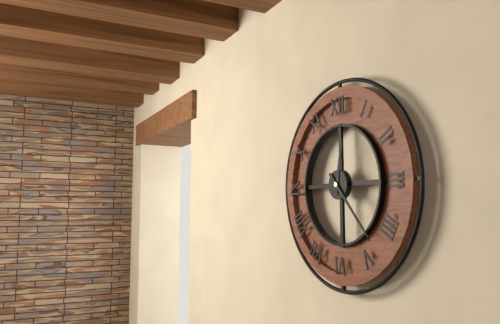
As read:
12:23
